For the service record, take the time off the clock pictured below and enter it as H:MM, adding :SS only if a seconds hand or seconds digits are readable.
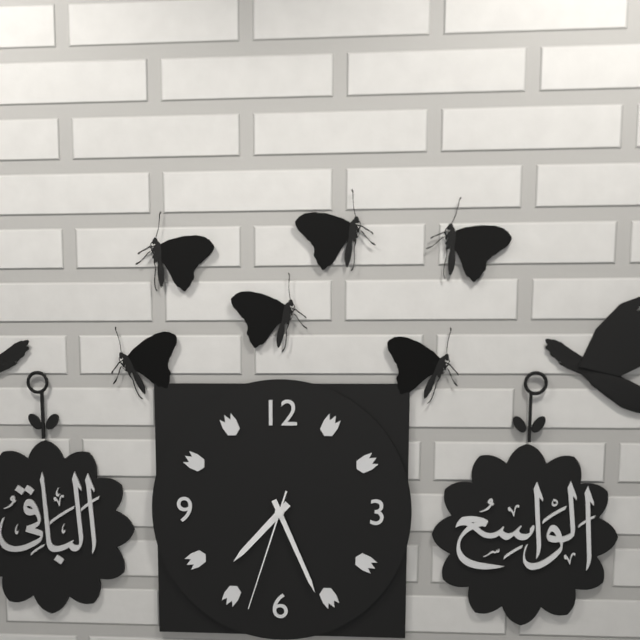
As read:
7:26:33
